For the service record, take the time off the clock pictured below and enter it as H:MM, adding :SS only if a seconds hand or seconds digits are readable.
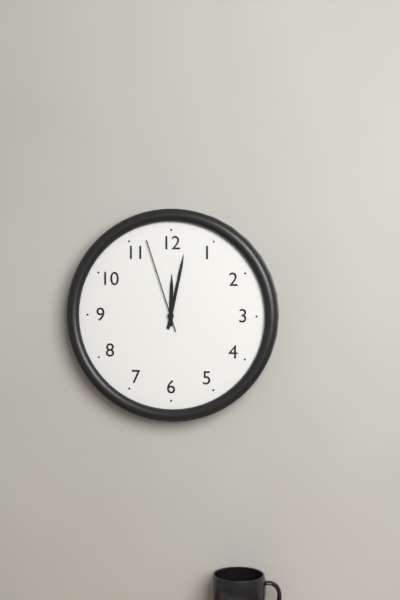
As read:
12:02:57
